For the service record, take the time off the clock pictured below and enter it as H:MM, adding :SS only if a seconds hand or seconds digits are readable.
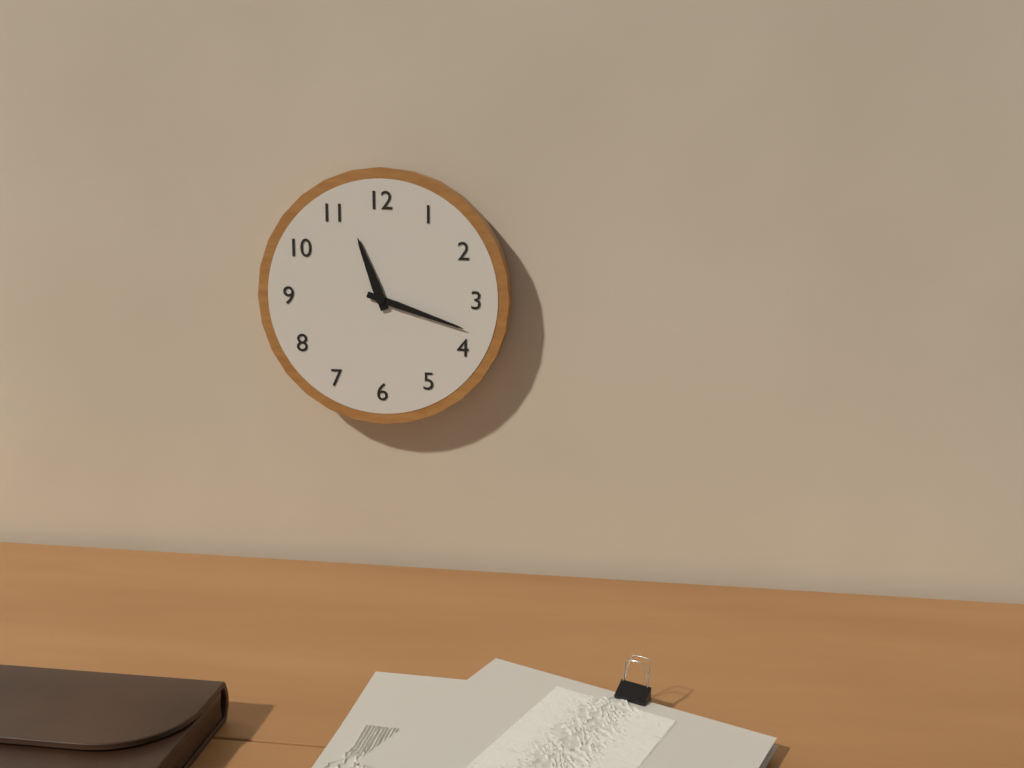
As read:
11:18
